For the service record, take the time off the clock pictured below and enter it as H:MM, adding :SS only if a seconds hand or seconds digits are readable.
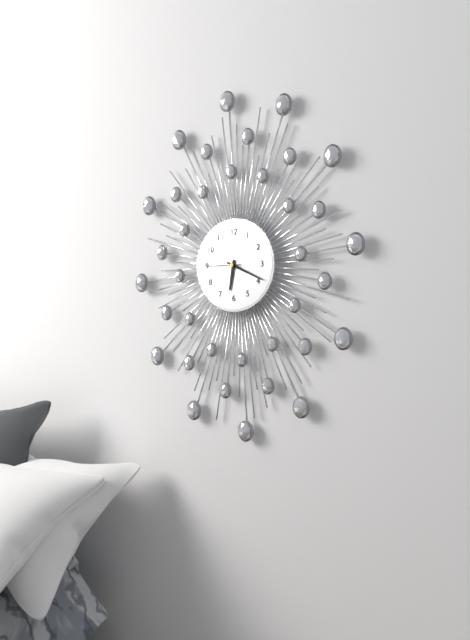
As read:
6:19
